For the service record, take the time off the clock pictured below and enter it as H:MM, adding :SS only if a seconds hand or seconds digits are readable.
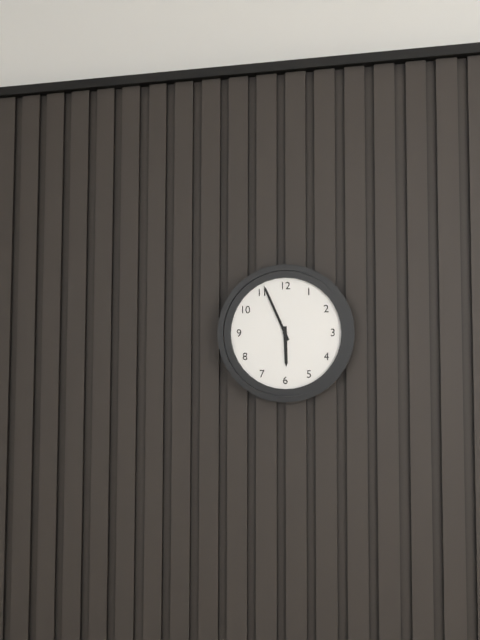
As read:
5:56
